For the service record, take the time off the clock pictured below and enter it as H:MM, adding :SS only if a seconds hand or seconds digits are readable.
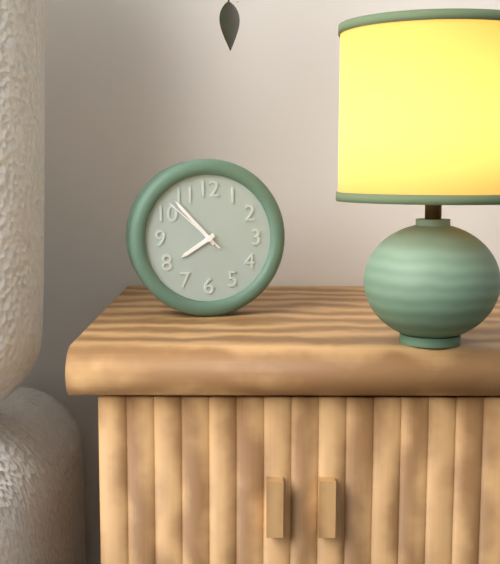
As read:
7:53:52
